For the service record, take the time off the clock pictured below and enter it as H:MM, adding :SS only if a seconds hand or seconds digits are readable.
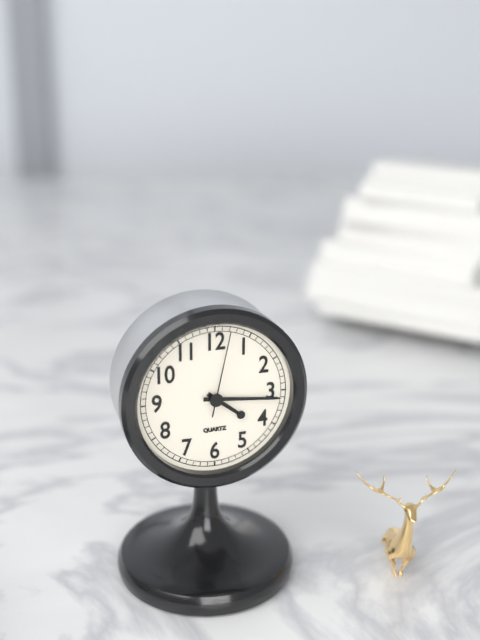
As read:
4:16:02
